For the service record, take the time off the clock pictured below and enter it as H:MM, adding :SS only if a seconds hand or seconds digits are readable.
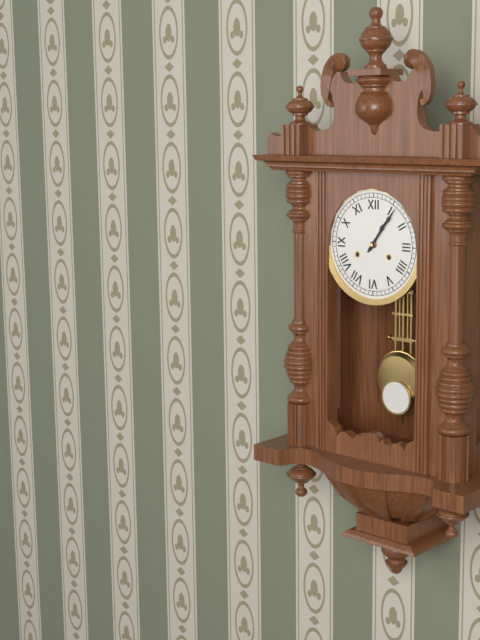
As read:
1:06
